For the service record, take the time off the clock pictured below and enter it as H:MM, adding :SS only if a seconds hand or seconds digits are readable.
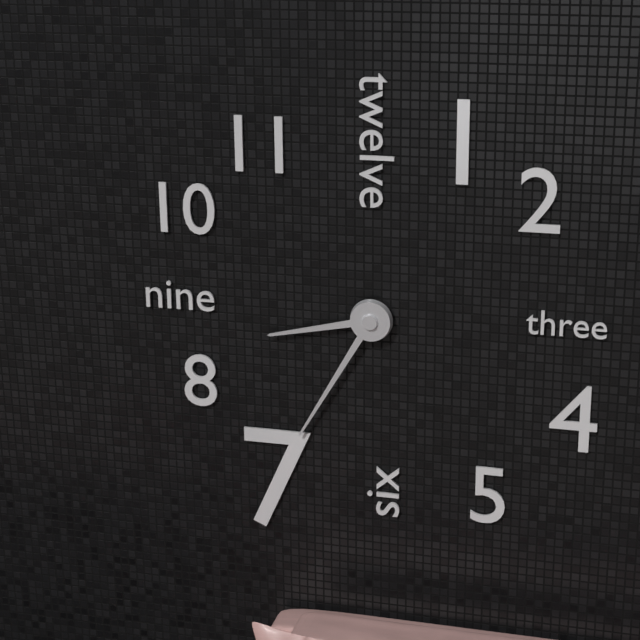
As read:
8:35
